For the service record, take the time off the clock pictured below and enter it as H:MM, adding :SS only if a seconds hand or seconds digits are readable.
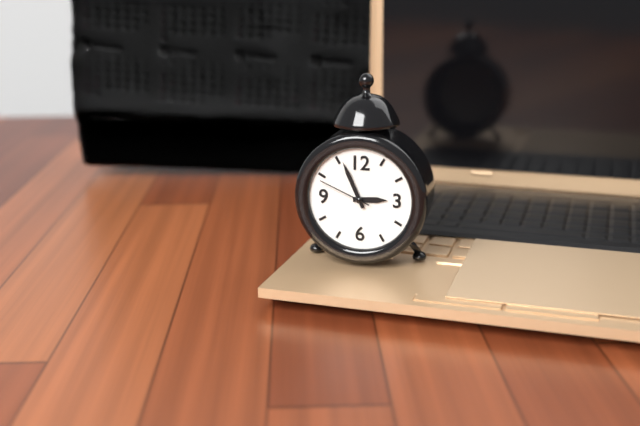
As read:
2:56:49
